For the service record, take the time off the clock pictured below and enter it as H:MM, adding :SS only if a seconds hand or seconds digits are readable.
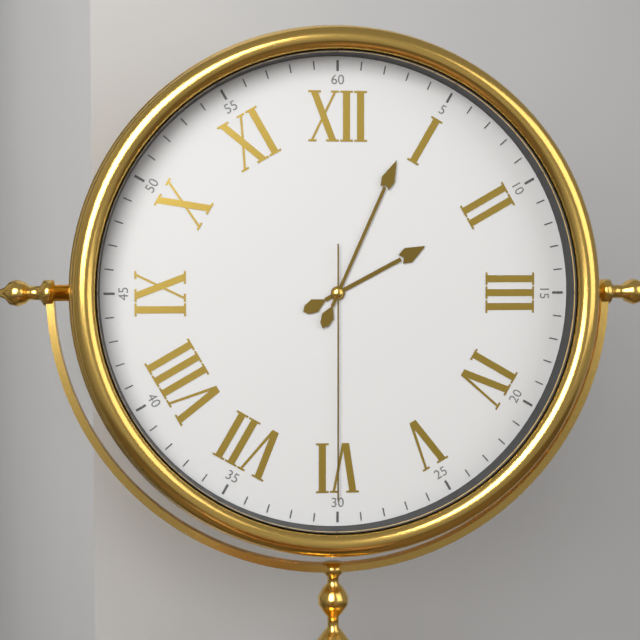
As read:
2:04:30
